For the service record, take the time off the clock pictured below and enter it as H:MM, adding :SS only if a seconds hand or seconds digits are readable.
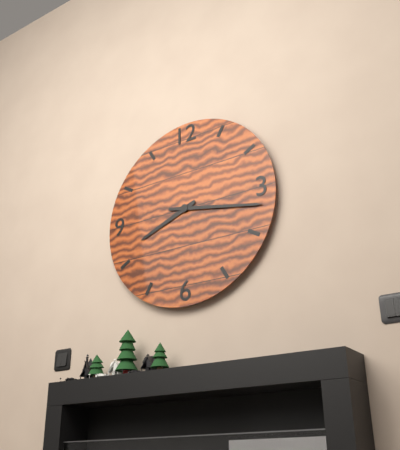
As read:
8:17
